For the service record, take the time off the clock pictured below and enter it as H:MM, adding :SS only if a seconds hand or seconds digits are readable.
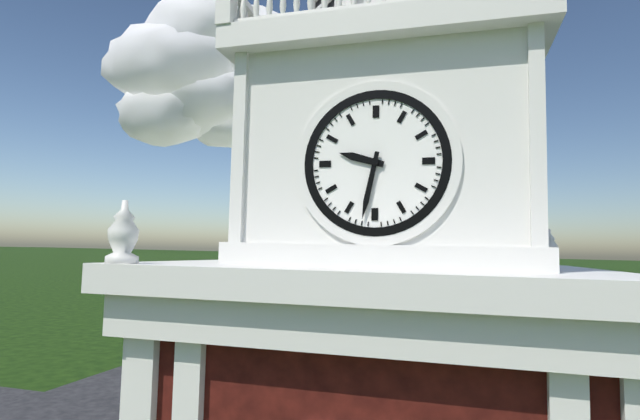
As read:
9:32
